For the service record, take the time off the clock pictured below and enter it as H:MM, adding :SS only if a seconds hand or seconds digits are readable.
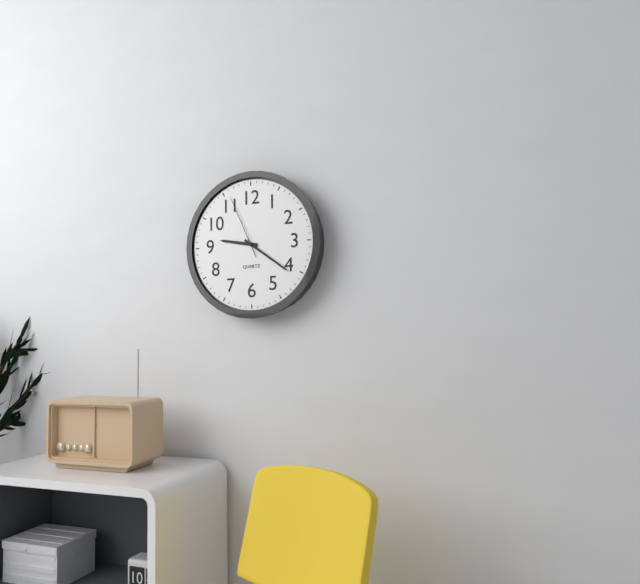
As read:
9:21:56
